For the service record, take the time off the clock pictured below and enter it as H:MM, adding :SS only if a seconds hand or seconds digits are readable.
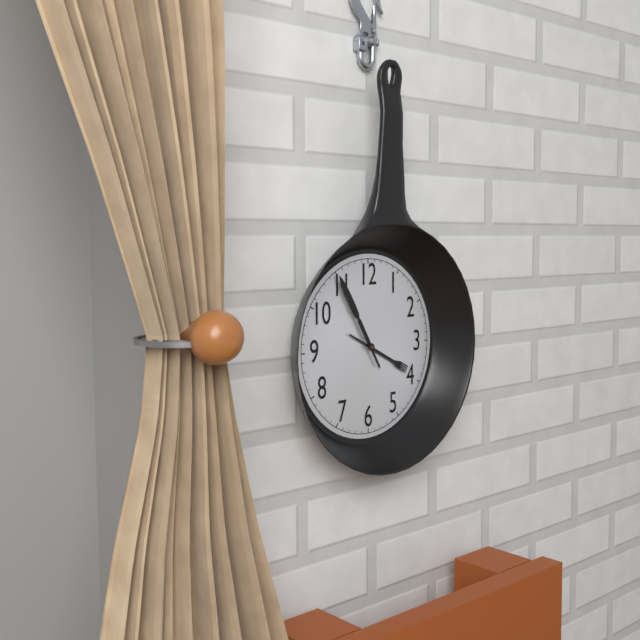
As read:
3:55
